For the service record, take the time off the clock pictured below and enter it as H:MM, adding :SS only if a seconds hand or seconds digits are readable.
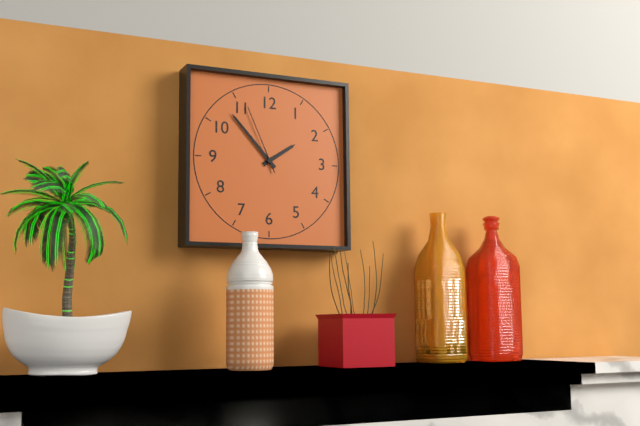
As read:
1:53:56
